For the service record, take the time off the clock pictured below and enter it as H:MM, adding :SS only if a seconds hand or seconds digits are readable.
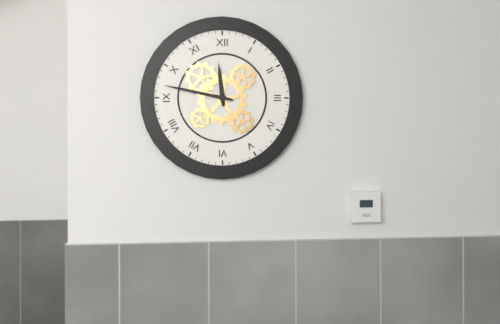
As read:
11:47
